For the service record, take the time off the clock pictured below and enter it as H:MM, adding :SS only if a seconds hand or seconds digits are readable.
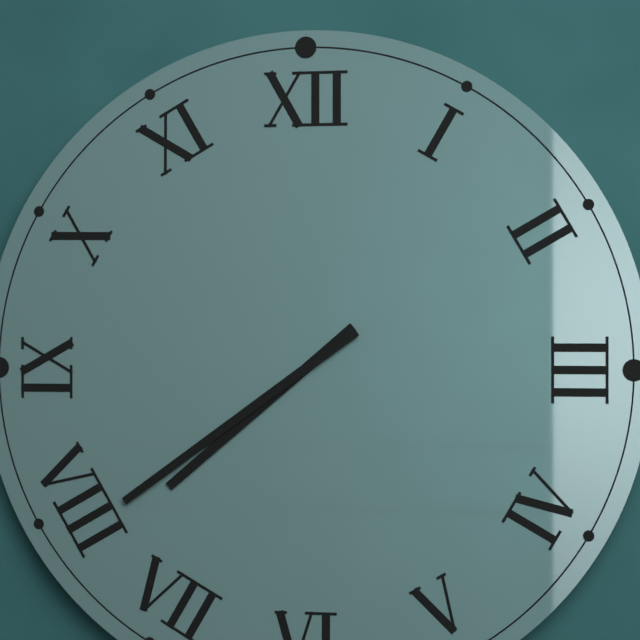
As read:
7:39
